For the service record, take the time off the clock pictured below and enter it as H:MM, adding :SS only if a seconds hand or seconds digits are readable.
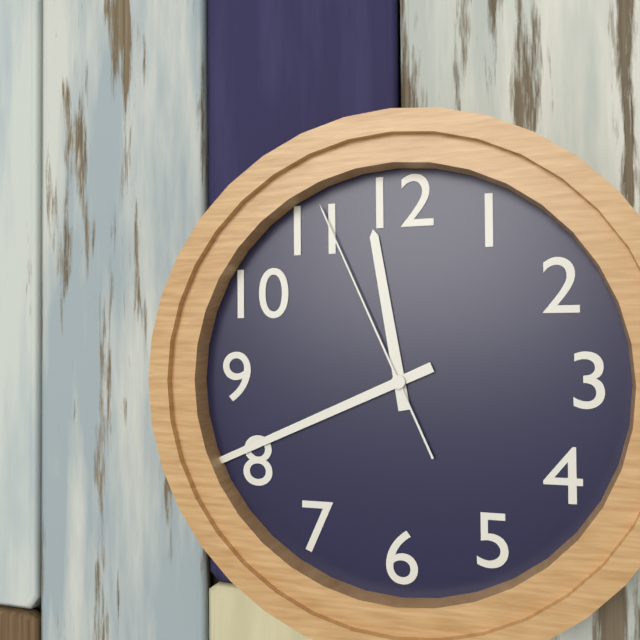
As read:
11:41:56
